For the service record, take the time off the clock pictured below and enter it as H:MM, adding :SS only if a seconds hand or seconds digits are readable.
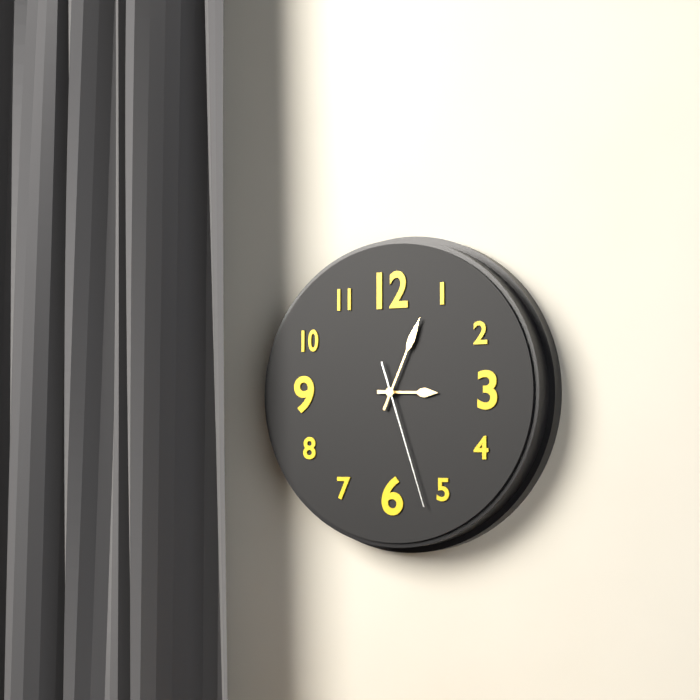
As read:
3:04:27
